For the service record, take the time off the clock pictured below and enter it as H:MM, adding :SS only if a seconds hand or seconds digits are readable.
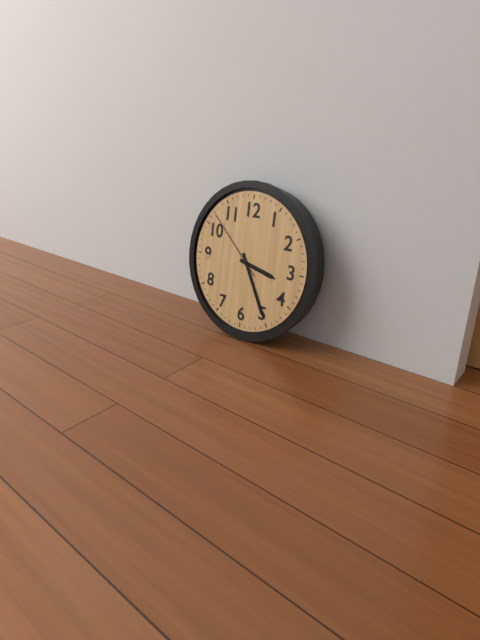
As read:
3:25:52
